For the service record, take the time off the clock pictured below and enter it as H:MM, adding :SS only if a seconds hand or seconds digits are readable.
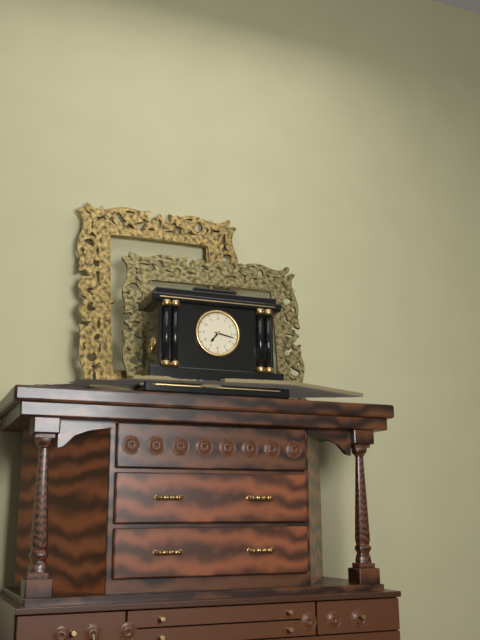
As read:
7:17
